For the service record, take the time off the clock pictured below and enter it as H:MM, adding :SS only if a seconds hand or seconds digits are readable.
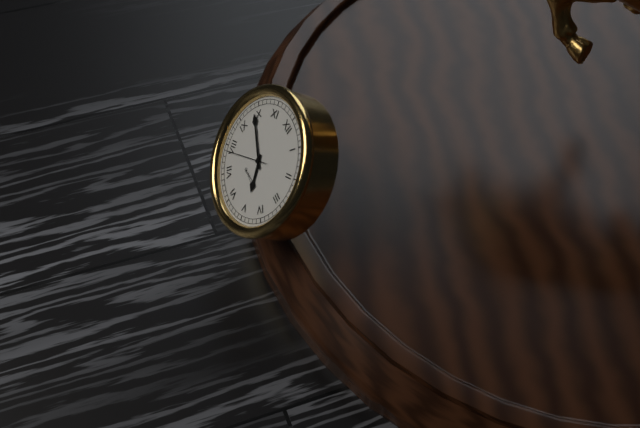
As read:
4:49
